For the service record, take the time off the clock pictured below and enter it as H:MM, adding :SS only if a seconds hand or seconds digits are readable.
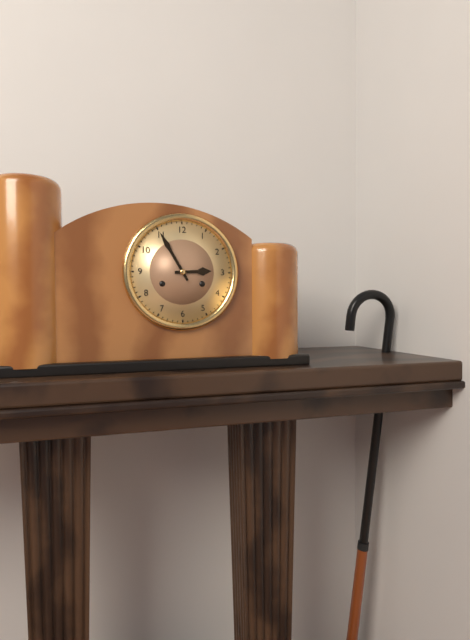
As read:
2:55
